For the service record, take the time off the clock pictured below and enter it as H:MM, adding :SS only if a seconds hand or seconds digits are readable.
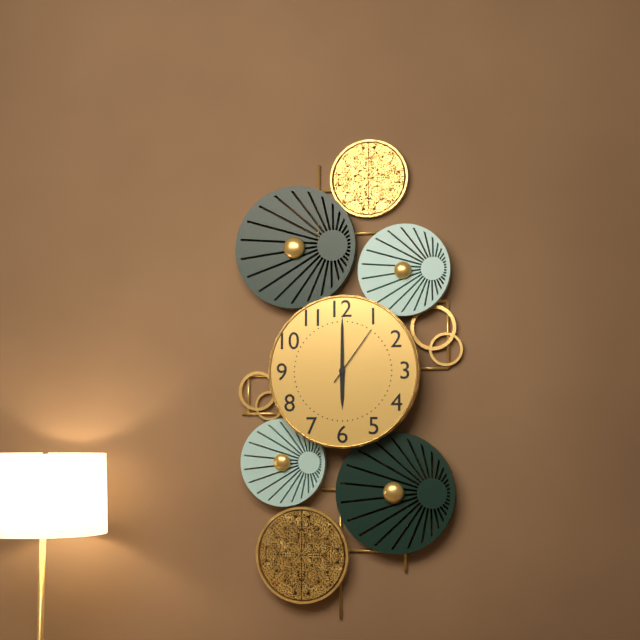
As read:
6:00:06
